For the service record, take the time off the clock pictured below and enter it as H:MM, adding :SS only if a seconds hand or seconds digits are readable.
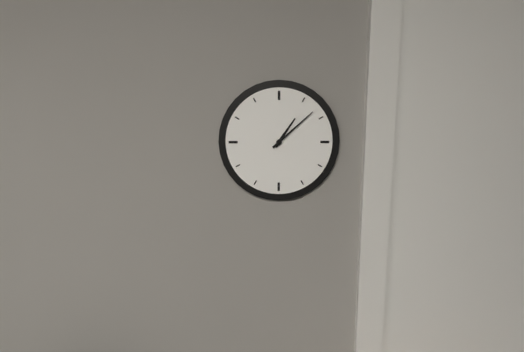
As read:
1:08
